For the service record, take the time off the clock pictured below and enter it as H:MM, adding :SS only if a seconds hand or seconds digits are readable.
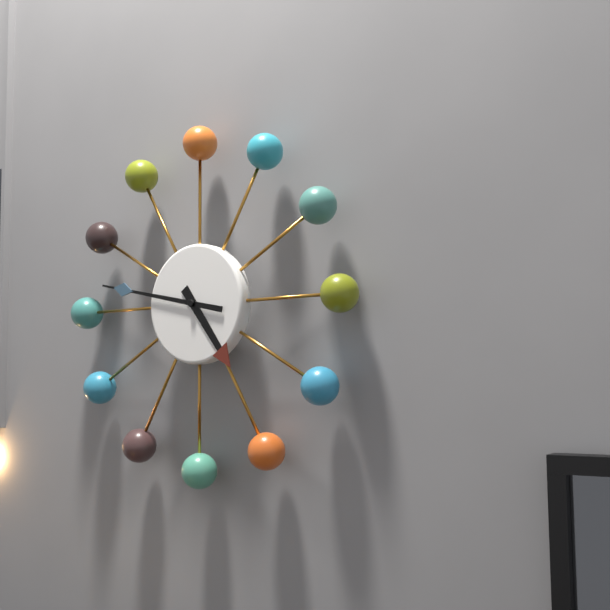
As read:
4:47
